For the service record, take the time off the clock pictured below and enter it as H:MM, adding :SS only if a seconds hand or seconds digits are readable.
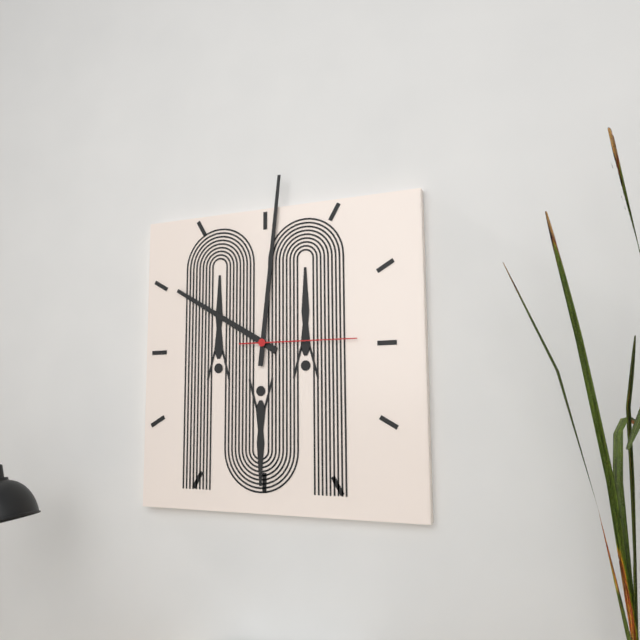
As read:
10:01:15
